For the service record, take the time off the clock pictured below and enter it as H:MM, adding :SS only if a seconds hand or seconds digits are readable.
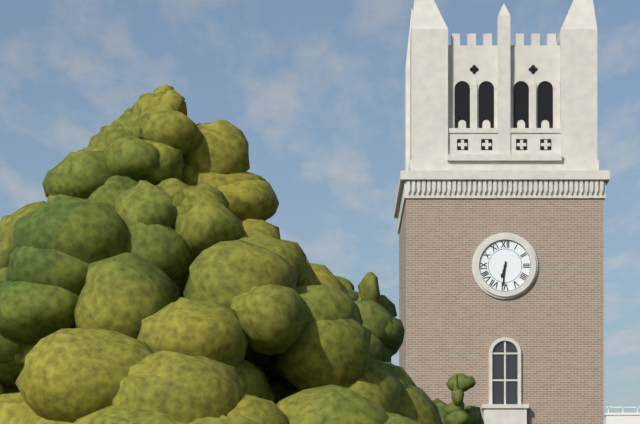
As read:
6:31
